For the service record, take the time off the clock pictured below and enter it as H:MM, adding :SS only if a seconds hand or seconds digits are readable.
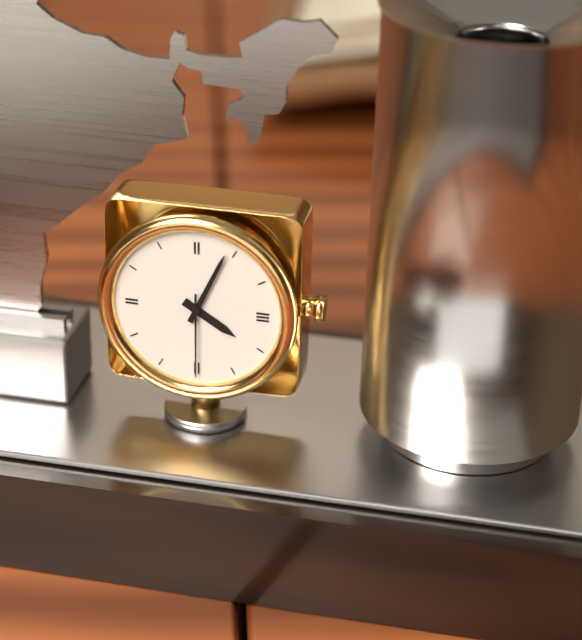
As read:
4:04:30
